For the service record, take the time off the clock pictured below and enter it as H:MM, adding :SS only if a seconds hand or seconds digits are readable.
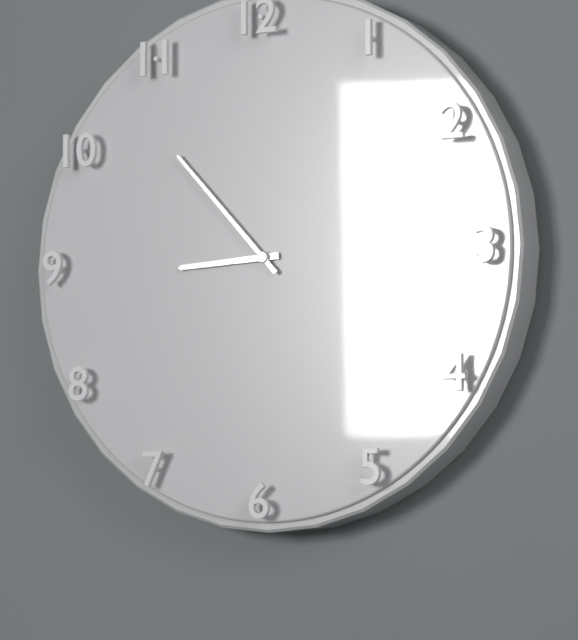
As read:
8:53
